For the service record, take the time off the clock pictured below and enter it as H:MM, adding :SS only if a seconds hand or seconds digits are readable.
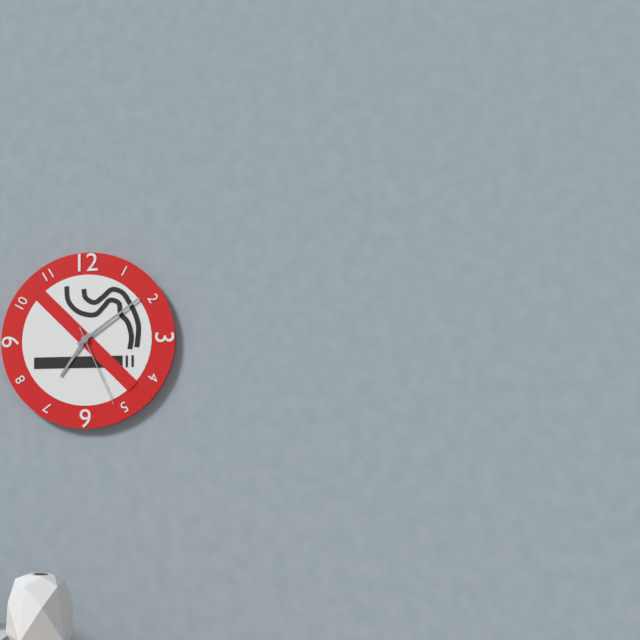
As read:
7:09:26
